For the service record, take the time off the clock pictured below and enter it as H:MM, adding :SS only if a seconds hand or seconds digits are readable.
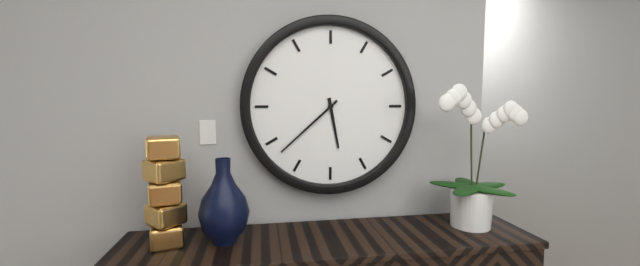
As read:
5:38
